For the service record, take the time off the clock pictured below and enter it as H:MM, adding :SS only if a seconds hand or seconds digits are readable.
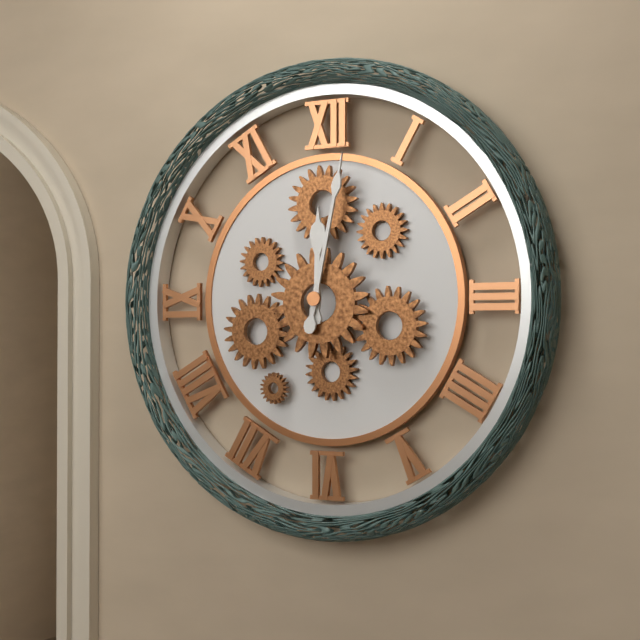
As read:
12:02
